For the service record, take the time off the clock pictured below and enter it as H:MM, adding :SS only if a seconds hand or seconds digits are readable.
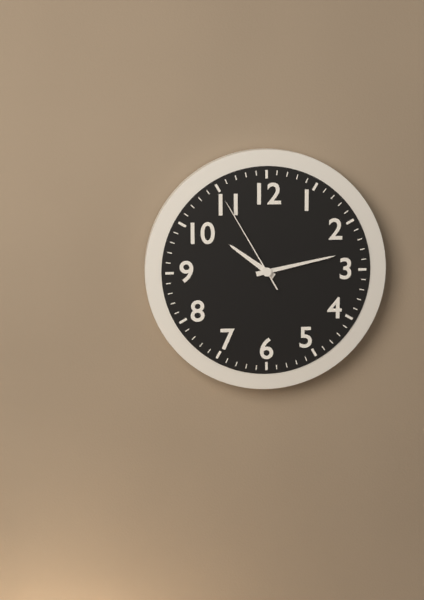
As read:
10:13:55
